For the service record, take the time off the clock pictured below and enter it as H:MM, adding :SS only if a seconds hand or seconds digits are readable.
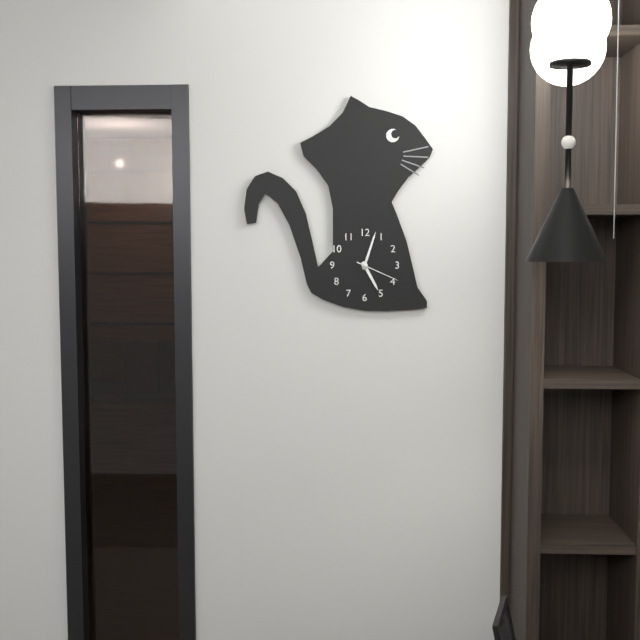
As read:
5:03
